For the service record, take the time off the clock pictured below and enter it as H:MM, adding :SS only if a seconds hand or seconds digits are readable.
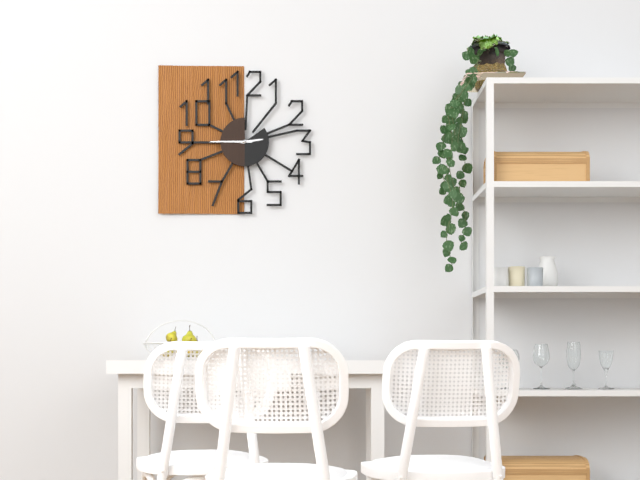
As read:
2:45
